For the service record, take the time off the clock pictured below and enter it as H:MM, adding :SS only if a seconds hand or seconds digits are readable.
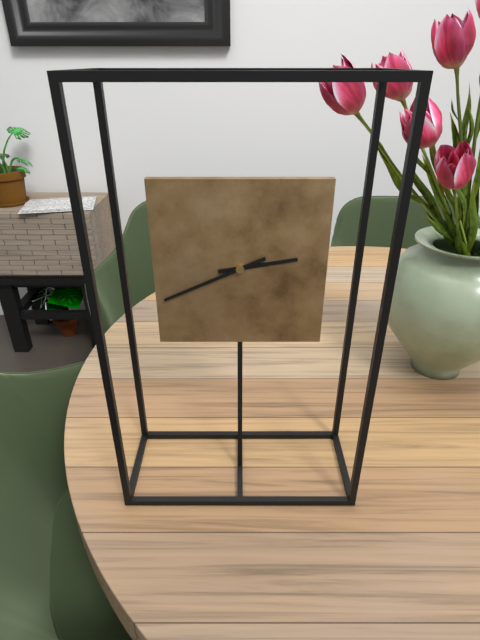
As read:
2:41
